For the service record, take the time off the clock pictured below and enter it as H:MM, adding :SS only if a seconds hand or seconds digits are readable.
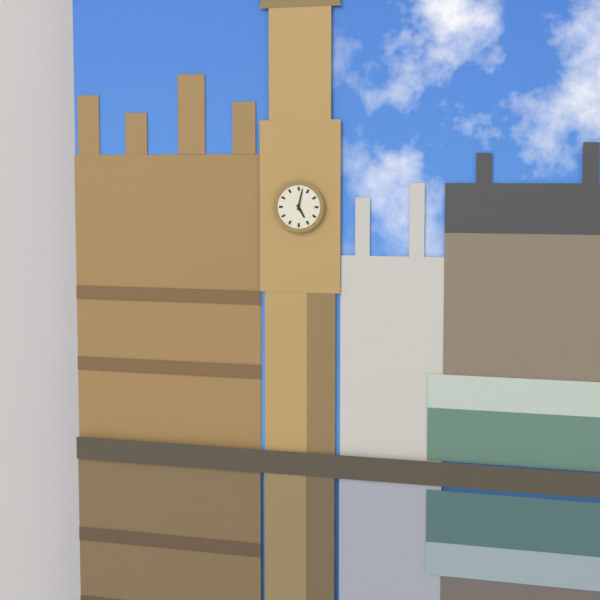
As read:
5:02
